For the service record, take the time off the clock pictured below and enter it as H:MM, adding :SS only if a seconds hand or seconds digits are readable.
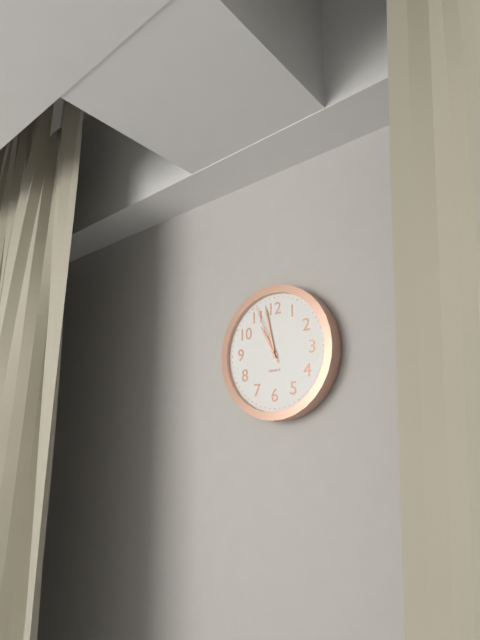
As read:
10:58:56
